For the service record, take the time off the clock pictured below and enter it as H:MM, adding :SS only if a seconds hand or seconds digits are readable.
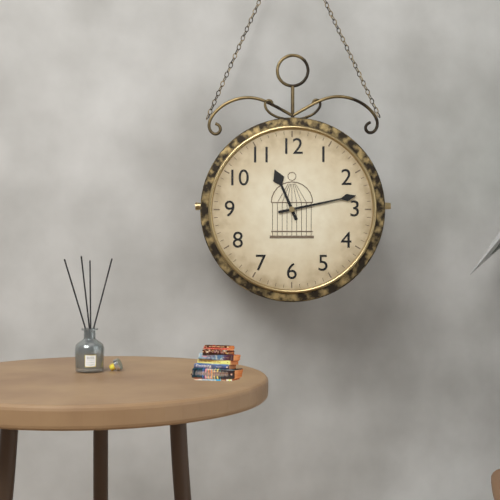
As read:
11:13
